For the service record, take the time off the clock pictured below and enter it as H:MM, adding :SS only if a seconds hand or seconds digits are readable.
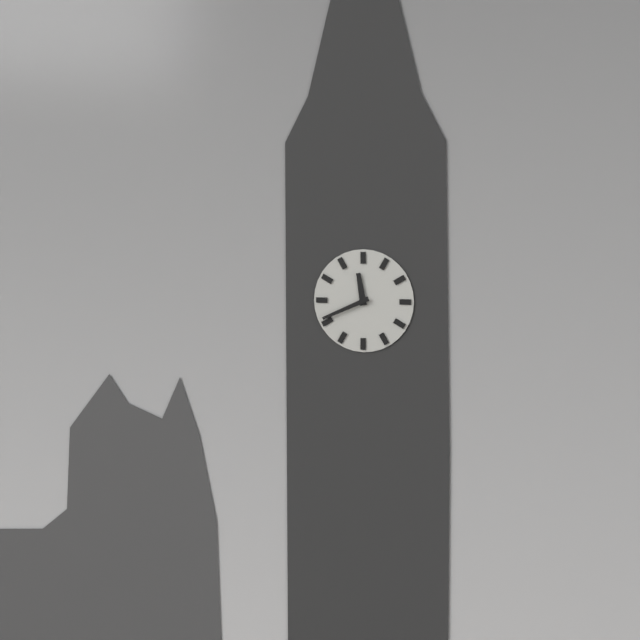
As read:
11:41
